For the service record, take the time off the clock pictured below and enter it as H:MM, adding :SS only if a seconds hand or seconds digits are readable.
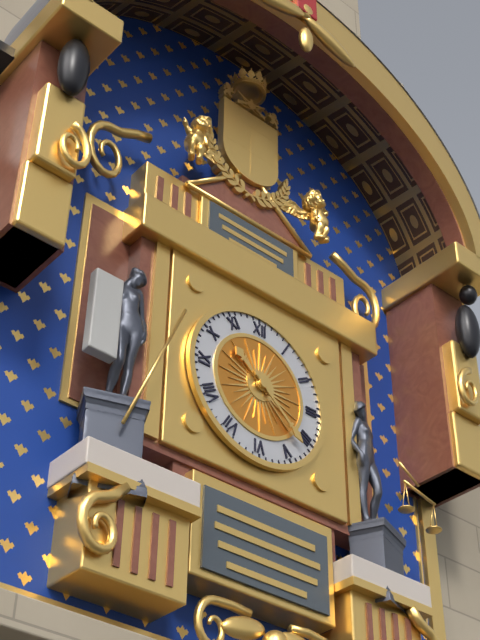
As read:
10:22
